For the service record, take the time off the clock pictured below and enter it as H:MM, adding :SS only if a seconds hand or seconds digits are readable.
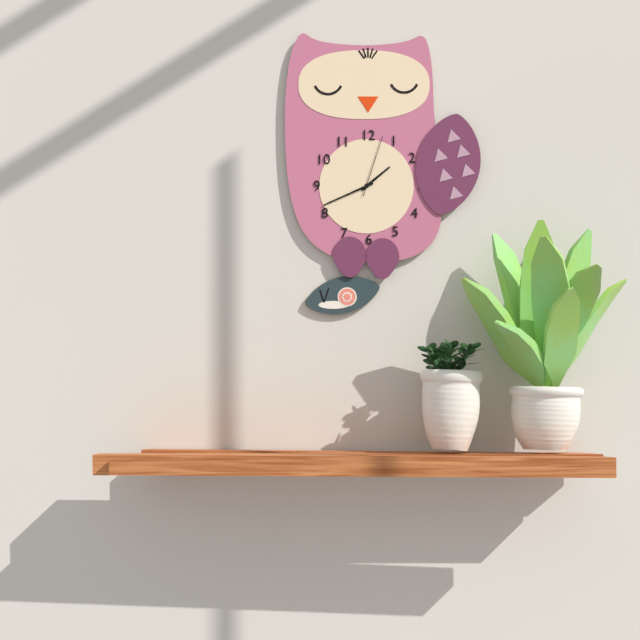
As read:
1:41:03
